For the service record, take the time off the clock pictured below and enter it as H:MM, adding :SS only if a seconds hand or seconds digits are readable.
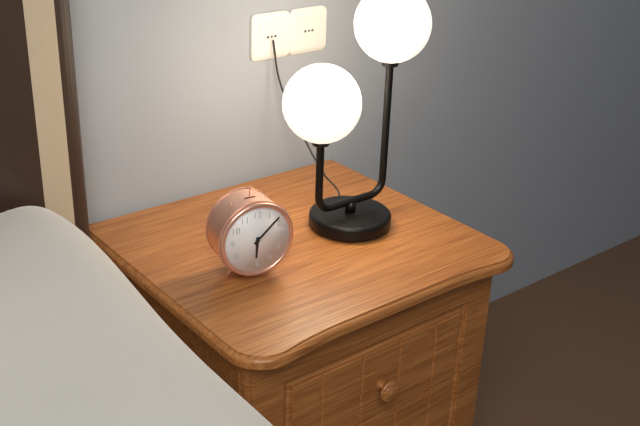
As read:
6:08
